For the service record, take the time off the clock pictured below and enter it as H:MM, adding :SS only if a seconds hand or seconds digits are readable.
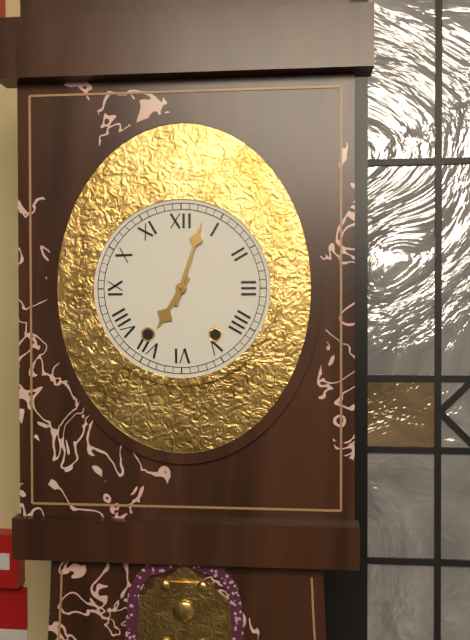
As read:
7:03
